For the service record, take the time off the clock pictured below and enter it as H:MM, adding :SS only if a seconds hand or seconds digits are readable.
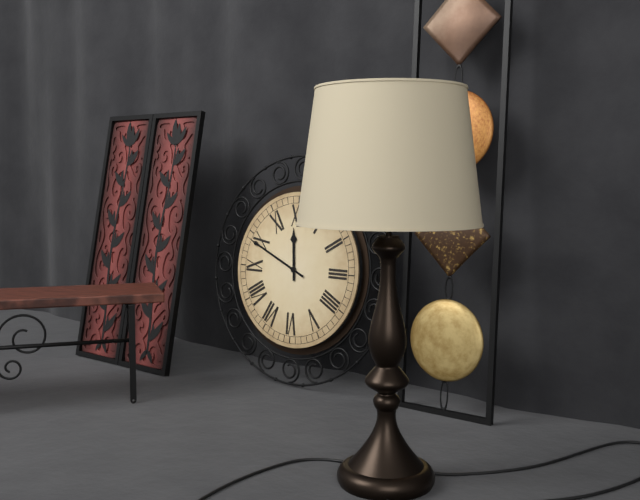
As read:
11:49
